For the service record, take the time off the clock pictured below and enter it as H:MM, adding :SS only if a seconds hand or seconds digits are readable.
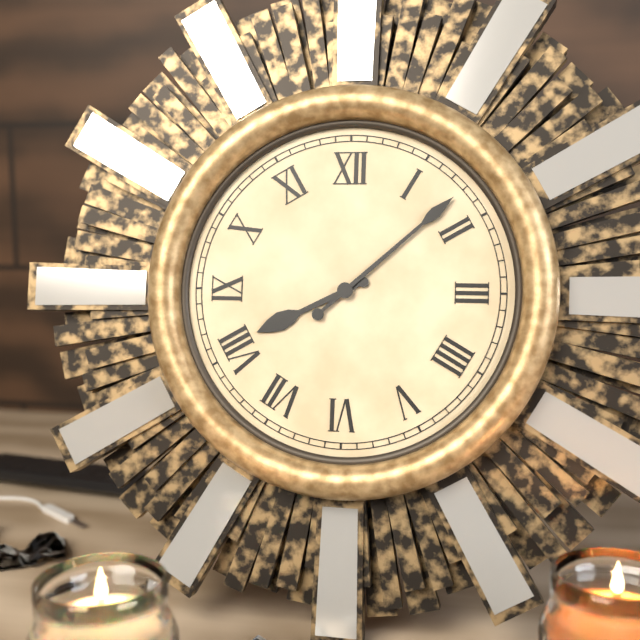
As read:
8:08
